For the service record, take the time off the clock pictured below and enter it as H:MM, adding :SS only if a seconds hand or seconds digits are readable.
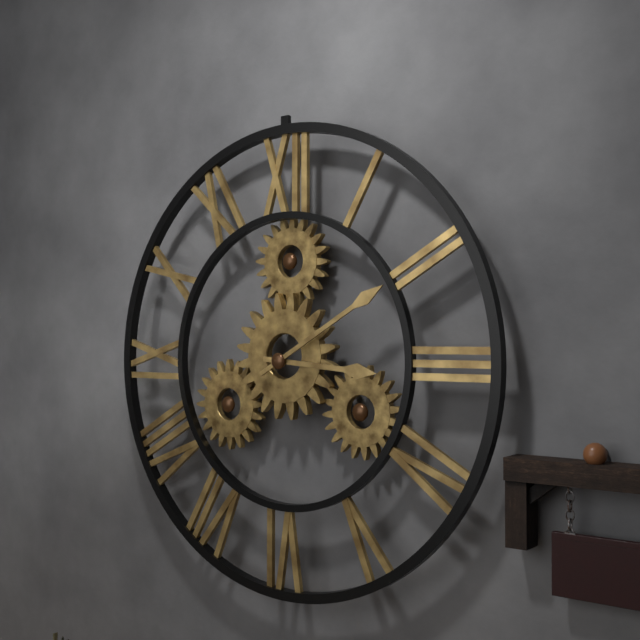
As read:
3:10
